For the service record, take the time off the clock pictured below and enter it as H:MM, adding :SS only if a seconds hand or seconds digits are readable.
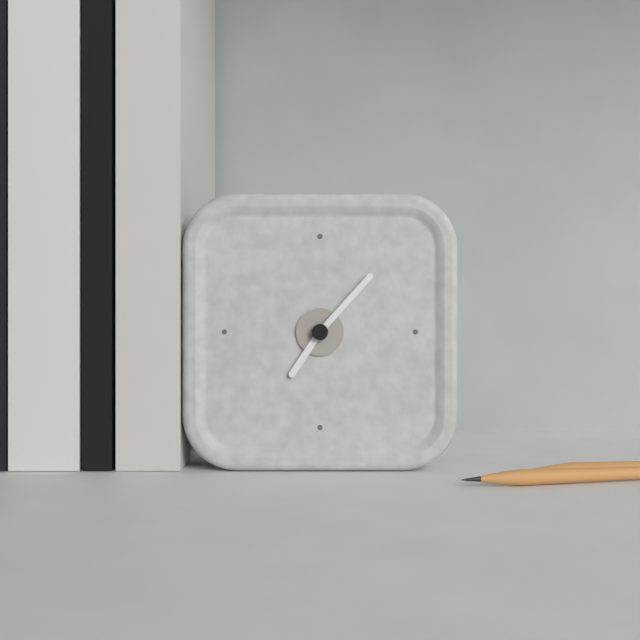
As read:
7:07
